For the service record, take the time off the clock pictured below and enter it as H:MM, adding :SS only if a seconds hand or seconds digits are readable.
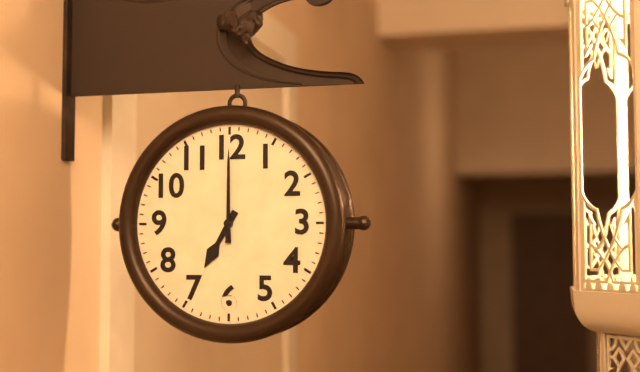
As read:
7:00
